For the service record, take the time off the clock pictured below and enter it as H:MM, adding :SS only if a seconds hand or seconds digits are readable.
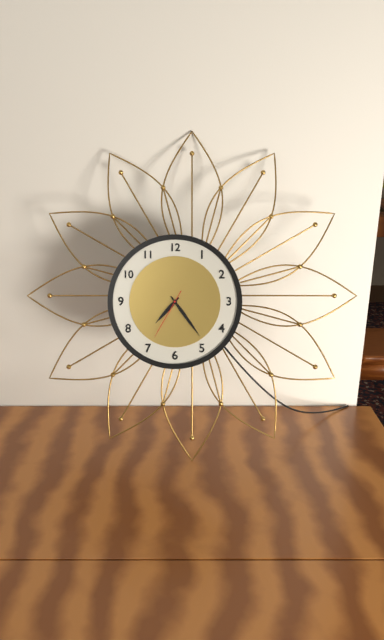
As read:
7:24:35
